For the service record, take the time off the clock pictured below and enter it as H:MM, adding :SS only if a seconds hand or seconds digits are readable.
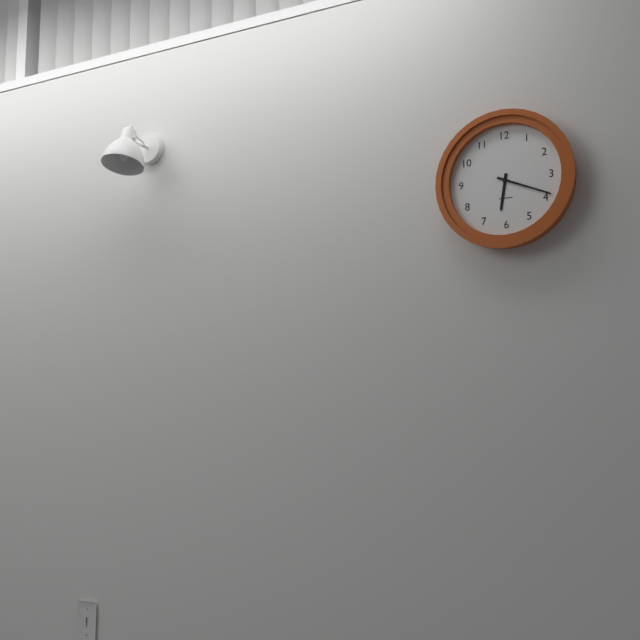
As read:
6:19
